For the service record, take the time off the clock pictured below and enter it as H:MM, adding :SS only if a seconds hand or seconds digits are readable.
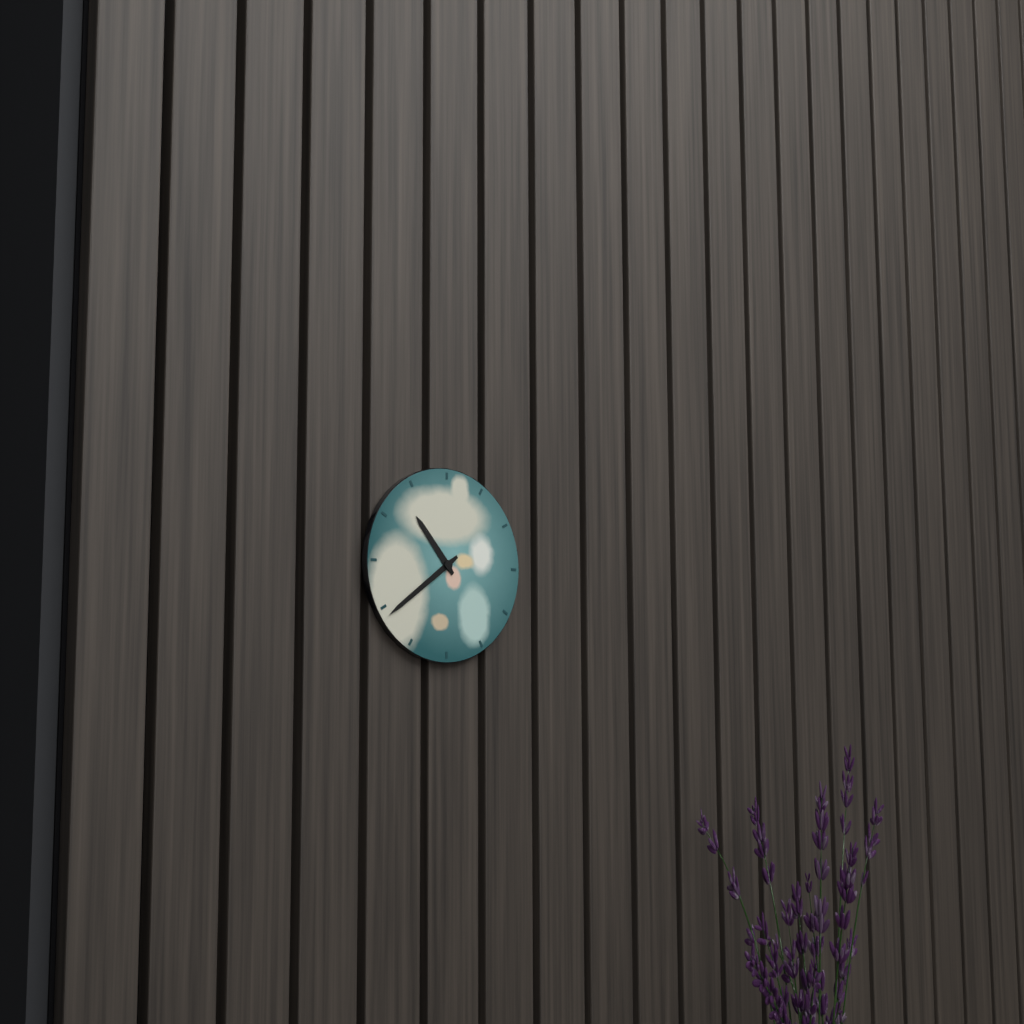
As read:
10:39
